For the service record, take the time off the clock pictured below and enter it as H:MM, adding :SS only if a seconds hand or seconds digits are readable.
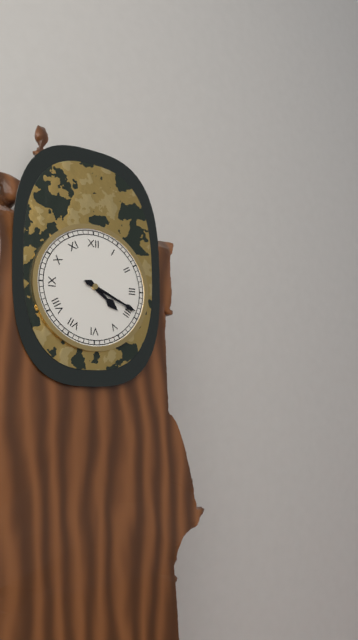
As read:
4:19
